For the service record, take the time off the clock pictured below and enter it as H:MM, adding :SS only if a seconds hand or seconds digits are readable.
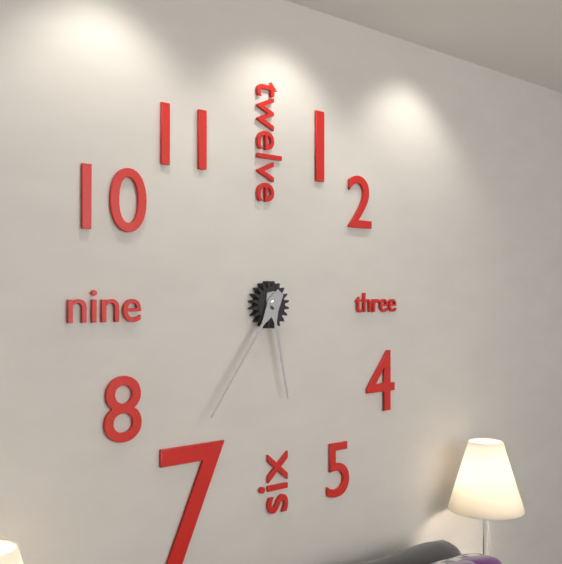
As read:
5:36
